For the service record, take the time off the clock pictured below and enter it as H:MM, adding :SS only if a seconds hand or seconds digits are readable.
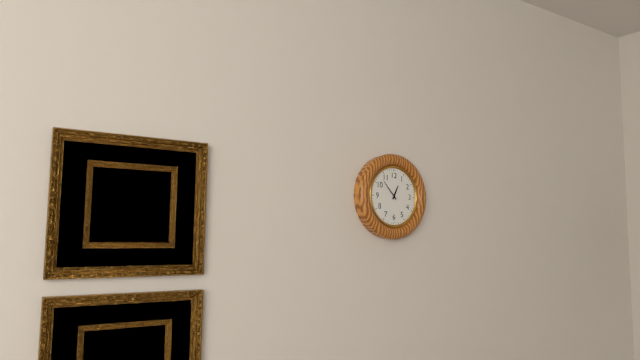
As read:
12:53
